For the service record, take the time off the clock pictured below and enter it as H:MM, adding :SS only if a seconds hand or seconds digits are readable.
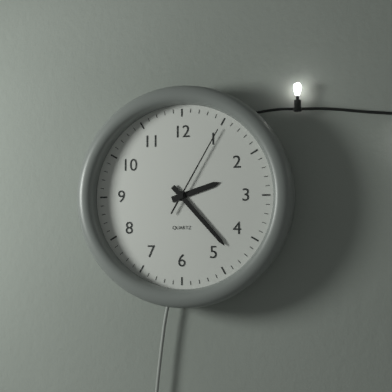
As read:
2:23:05
